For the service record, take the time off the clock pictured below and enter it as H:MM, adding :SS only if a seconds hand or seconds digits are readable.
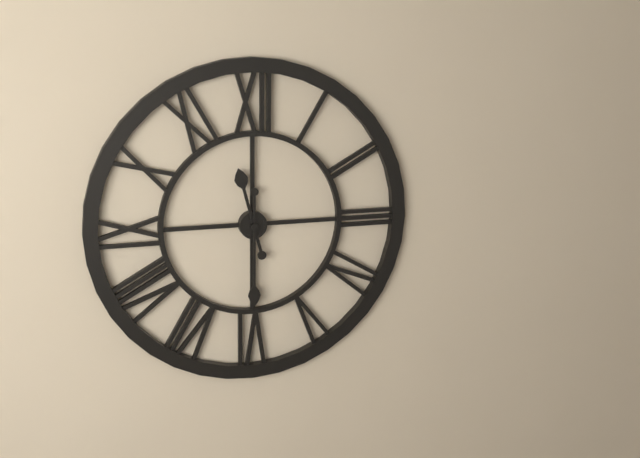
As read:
11:30
